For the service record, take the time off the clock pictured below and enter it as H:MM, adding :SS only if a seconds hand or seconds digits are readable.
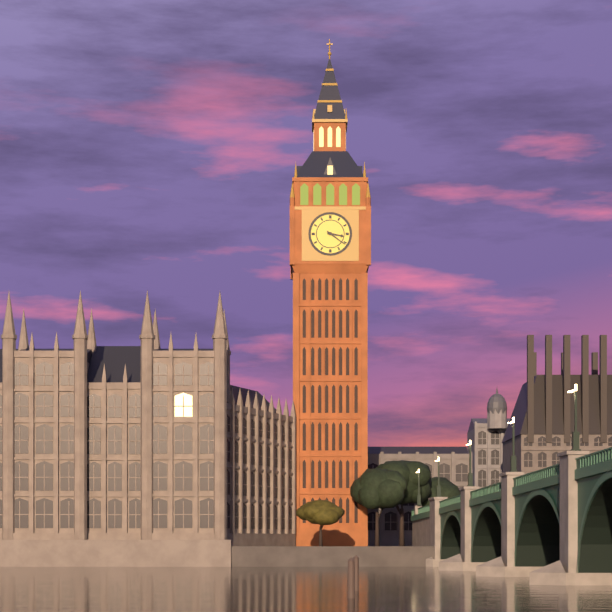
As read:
3:21
